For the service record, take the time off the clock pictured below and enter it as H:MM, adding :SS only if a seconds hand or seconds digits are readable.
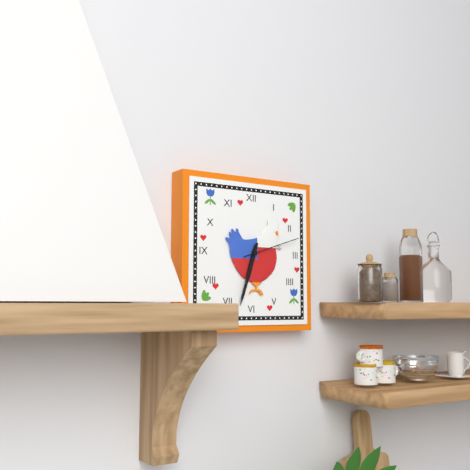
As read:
6:33:12
